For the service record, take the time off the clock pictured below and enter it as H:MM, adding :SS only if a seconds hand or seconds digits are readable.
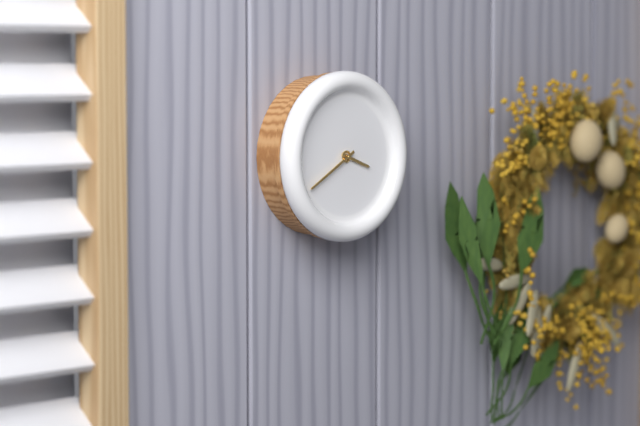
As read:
3:40
